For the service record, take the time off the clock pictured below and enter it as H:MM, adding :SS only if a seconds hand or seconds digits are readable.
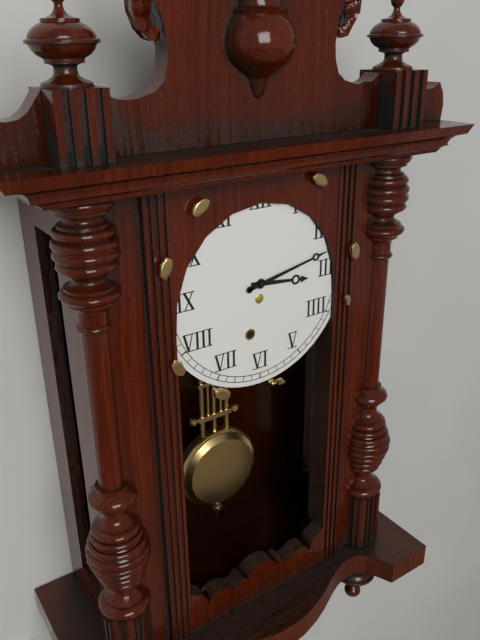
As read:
3:13
